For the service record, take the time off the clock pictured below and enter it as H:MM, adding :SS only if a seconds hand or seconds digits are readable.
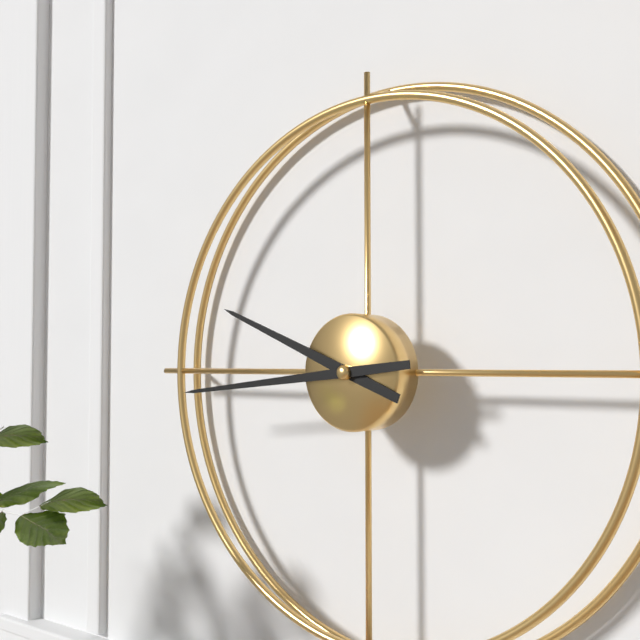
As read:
9:44
